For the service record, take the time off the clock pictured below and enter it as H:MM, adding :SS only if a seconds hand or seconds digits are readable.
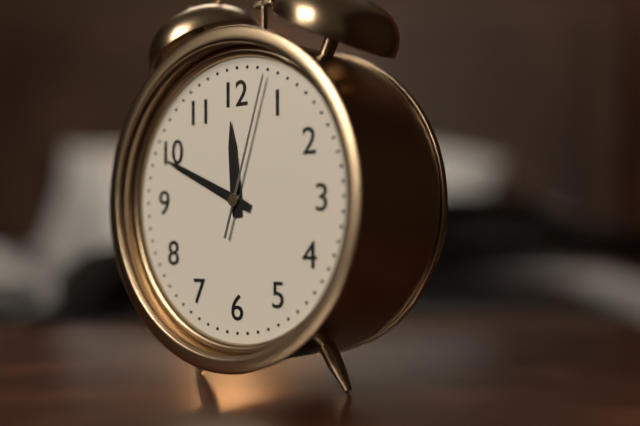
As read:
11:49:03
